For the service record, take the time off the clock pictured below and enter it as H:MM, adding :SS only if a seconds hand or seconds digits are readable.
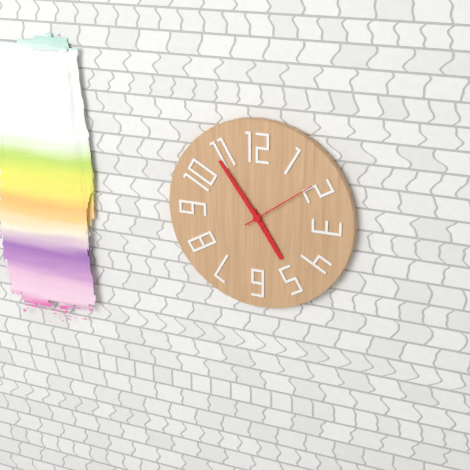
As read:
4:54:09
